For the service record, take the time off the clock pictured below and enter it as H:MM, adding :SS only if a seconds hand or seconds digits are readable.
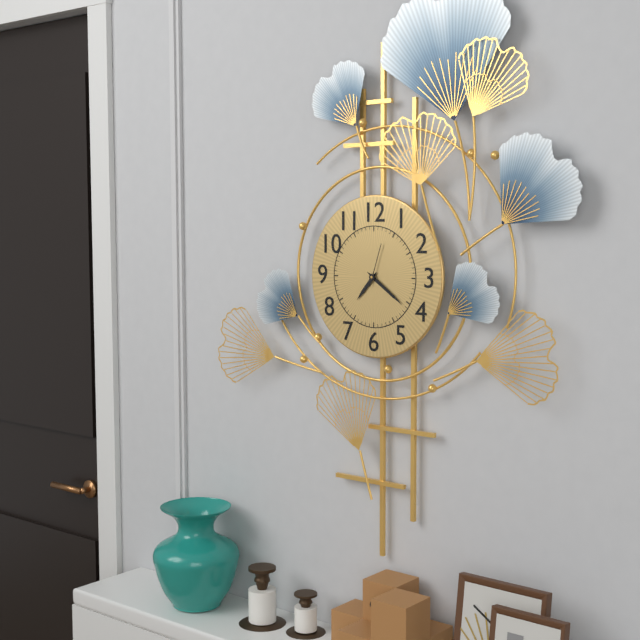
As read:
7:21
